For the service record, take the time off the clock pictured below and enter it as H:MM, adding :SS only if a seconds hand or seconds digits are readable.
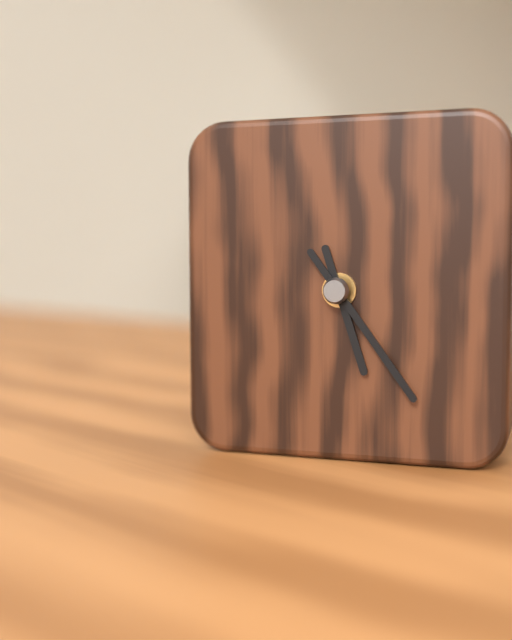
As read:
5:24
